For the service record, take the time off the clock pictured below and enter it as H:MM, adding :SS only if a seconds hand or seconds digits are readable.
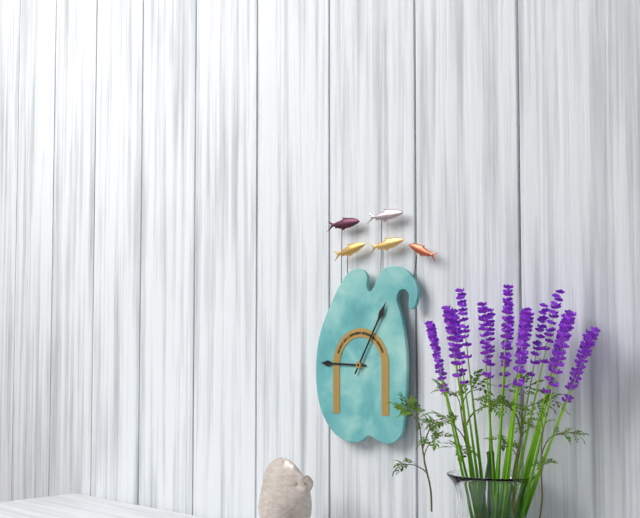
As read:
9:05
